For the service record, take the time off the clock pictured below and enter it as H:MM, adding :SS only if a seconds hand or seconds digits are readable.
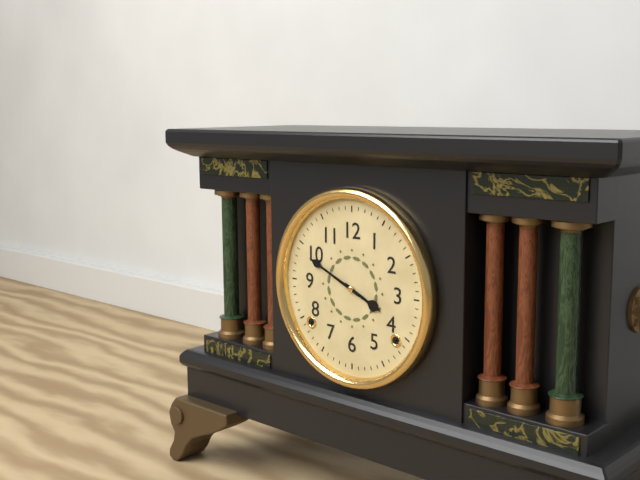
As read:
3:49
